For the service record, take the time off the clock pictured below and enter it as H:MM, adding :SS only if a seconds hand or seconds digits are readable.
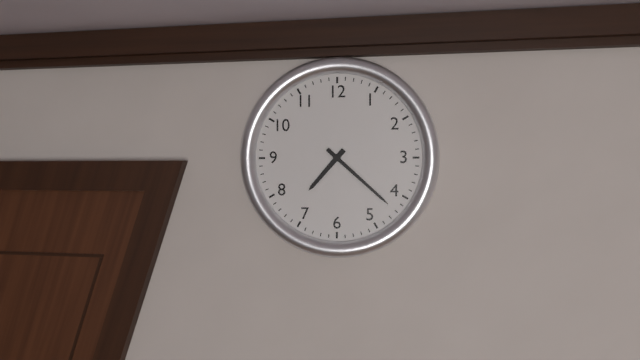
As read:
7:22
